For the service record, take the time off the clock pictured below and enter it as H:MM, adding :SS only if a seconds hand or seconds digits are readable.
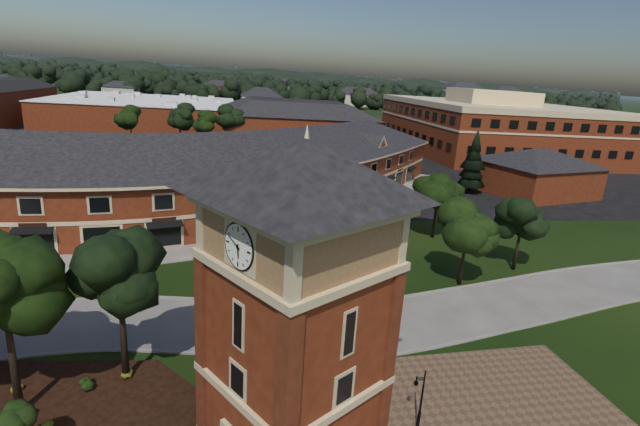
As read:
5:49
